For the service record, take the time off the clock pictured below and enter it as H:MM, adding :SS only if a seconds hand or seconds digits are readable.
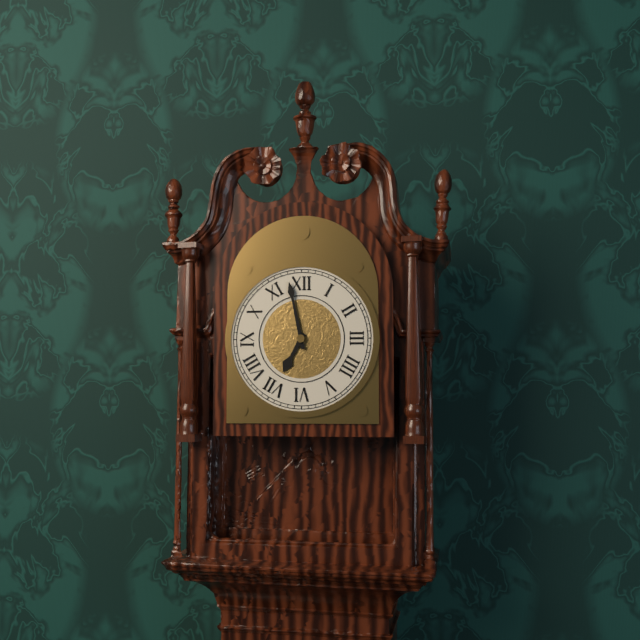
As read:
6:58
